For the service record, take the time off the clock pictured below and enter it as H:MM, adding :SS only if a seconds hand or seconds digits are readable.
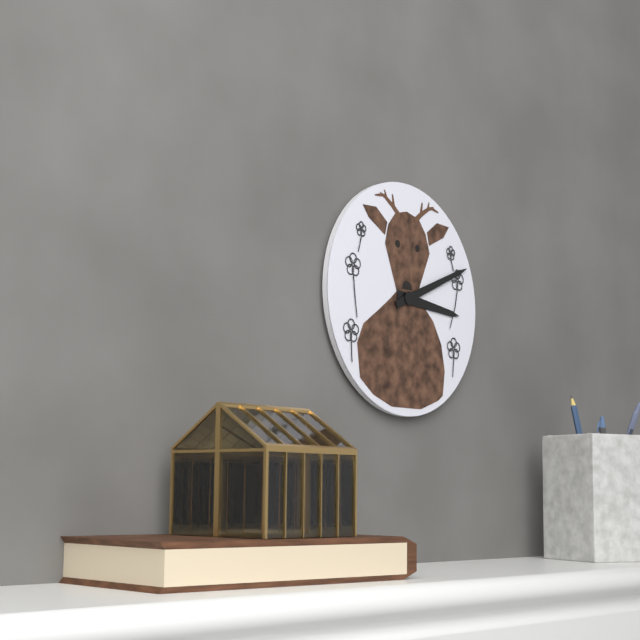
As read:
3:11
